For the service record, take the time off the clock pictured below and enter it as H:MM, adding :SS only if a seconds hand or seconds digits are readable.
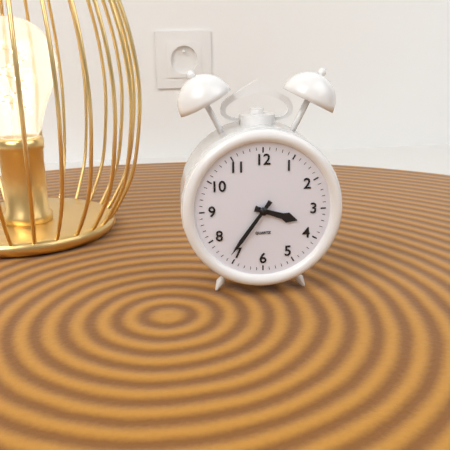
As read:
3:36
